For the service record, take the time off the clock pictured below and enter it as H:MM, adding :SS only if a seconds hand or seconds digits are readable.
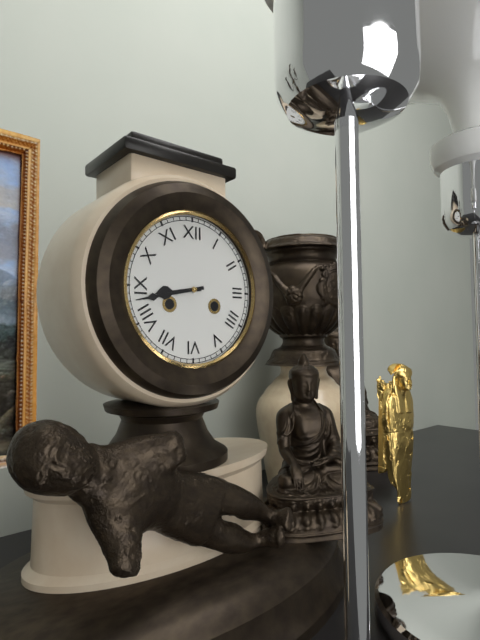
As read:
8:43
